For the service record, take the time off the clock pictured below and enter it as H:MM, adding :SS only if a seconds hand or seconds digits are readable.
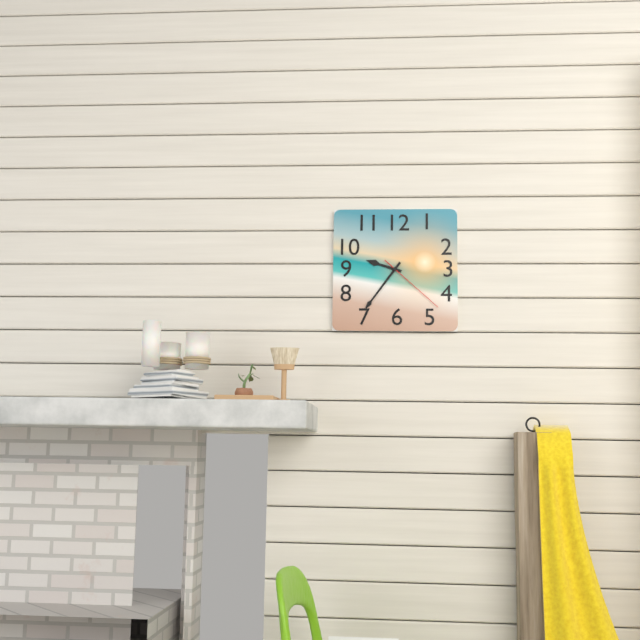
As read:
9:36:22
